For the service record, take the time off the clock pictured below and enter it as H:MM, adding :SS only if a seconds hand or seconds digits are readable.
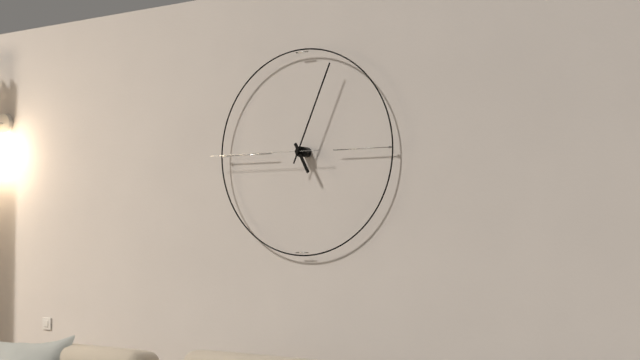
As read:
5:04:45
